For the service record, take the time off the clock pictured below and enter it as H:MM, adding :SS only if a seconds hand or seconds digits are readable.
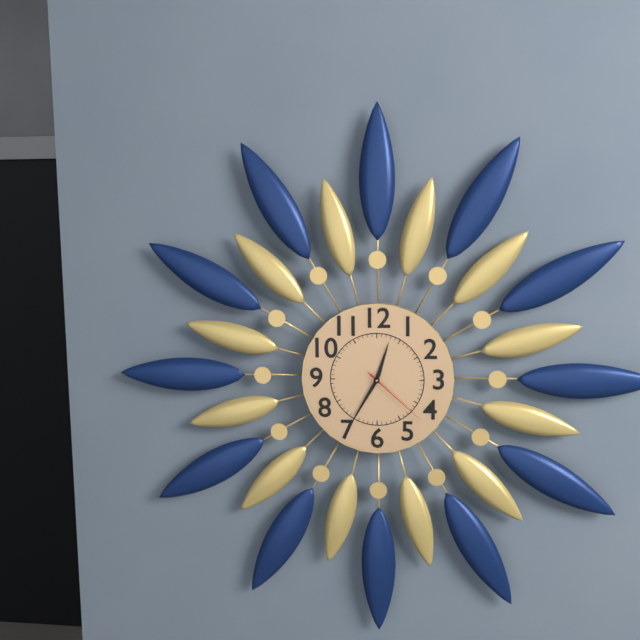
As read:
12:35:22
